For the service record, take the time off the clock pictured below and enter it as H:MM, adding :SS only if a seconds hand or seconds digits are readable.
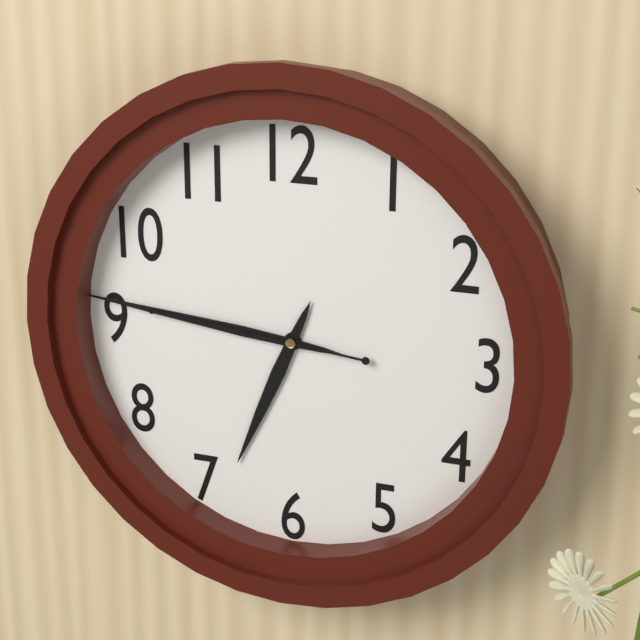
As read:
6:46:46
